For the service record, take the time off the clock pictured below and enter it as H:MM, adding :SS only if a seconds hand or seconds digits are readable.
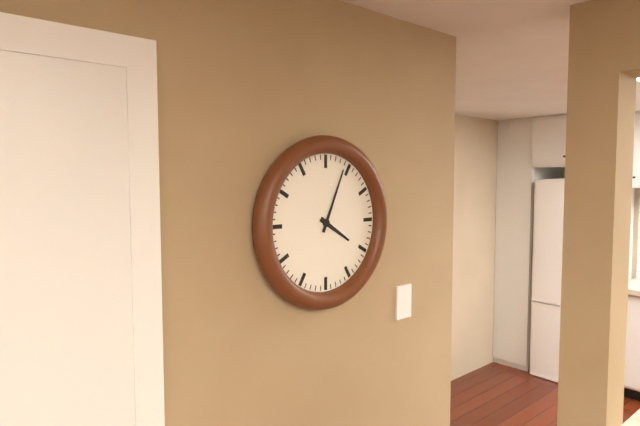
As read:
4:04
